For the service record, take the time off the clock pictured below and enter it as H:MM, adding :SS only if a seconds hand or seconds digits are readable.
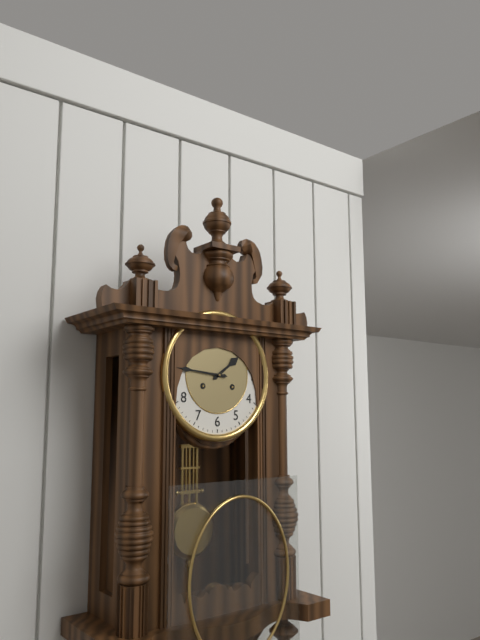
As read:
1:46
